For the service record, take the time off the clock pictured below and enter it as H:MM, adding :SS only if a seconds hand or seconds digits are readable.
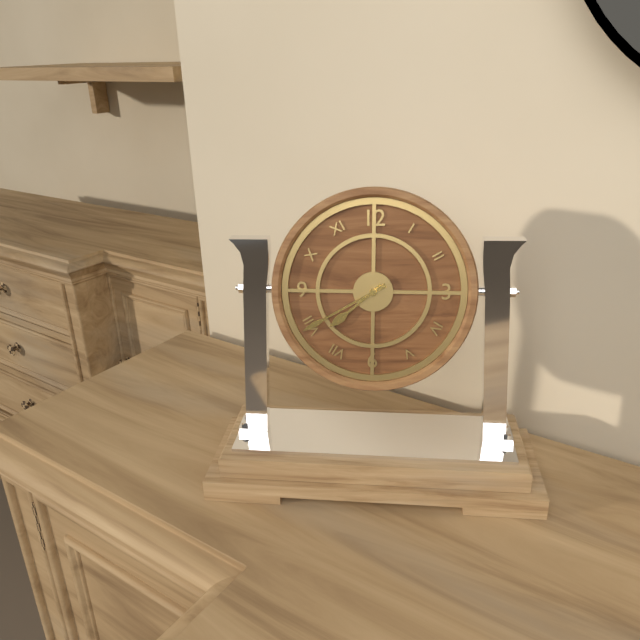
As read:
7:40
